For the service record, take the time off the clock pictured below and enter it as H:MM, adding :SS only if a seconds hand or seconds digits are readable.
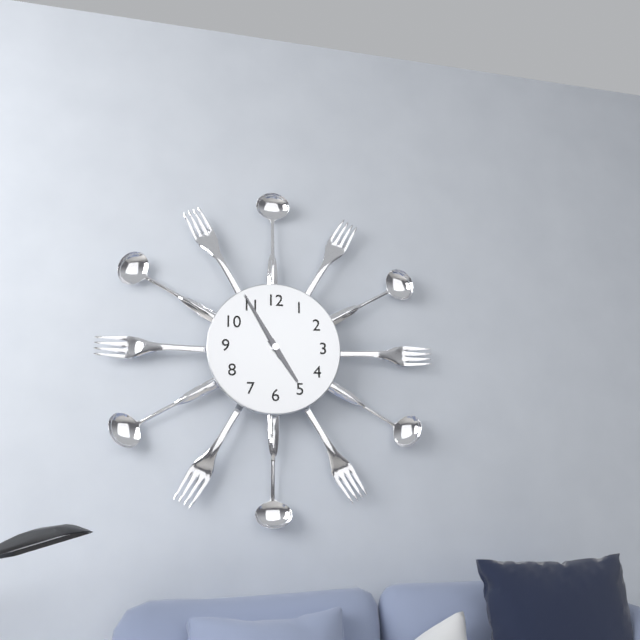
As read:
4:55
